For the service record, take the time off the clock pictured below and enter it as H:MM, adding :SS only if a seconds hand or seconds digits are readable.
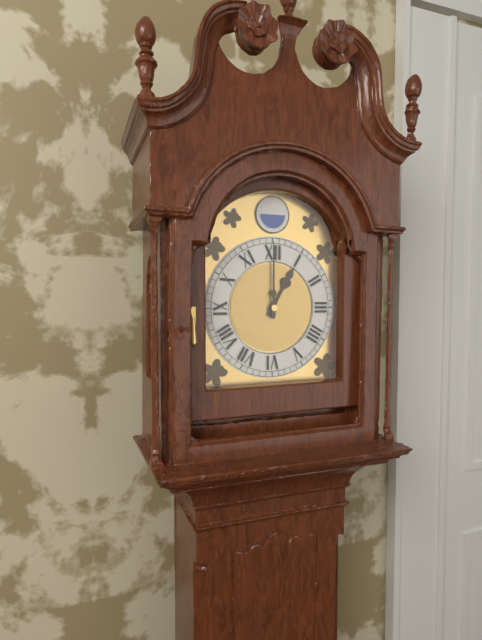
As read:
1:00
